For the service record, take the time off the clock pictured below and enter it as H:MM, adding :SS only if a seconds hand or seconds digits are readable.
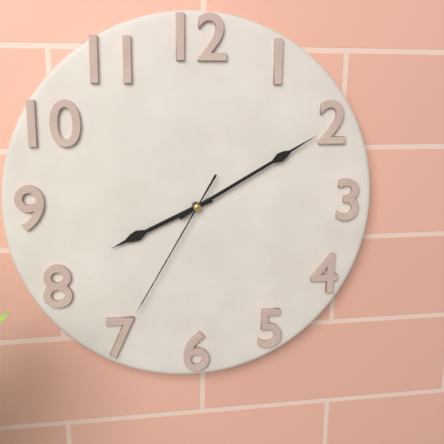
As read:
8:10:35
